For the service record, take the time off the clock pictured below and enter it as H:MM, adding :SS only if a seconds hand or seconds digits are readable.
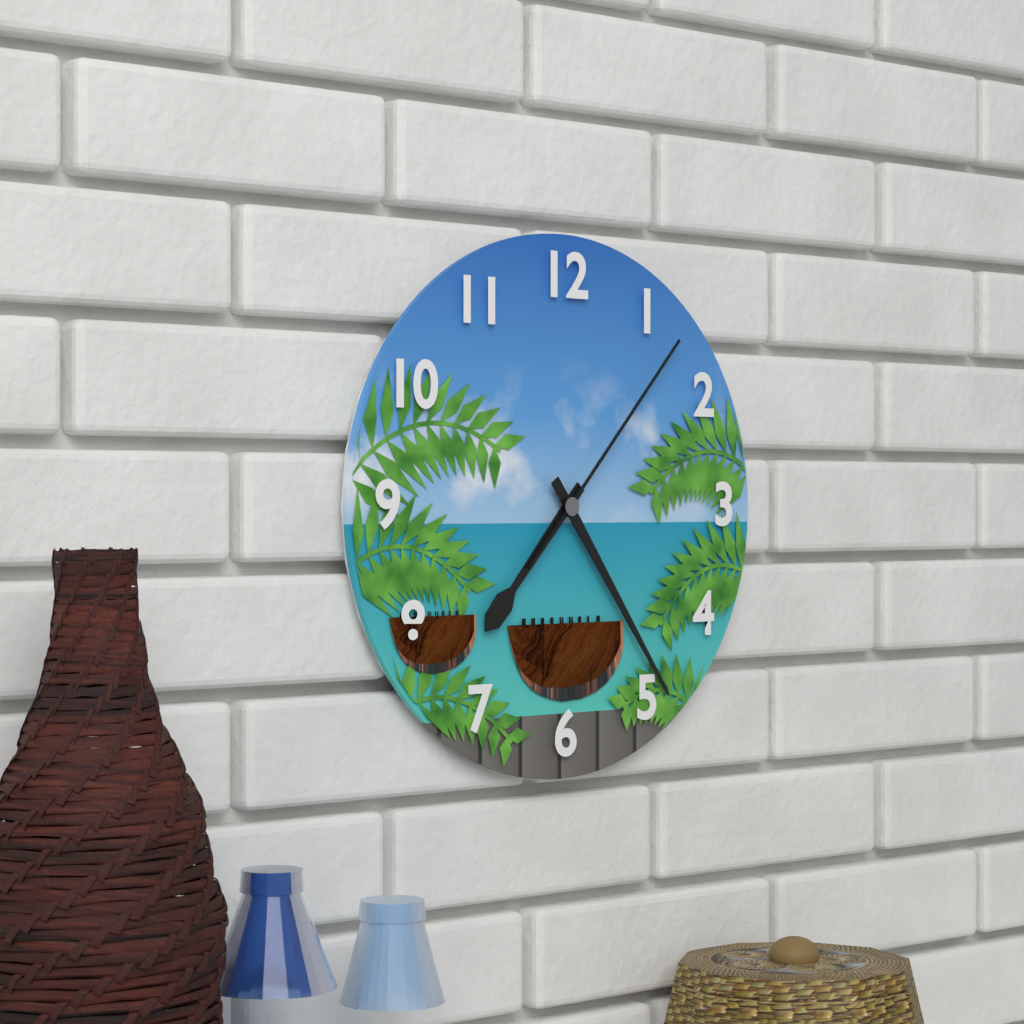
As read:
7:24:07
